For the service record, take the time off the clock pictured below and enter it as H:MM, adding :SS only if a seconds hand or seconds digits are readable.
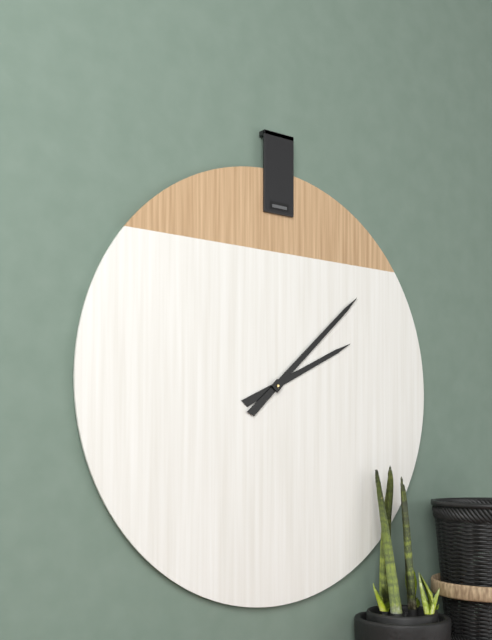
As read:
2:08
